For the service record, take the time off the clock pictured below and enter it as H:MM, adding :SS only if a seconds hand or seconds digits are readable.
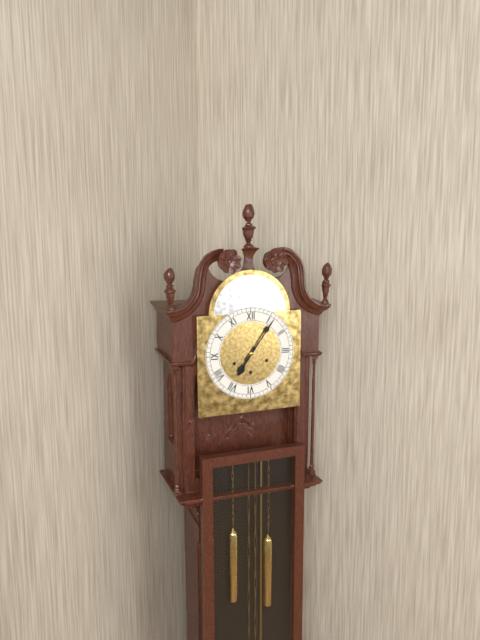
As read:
7:06
